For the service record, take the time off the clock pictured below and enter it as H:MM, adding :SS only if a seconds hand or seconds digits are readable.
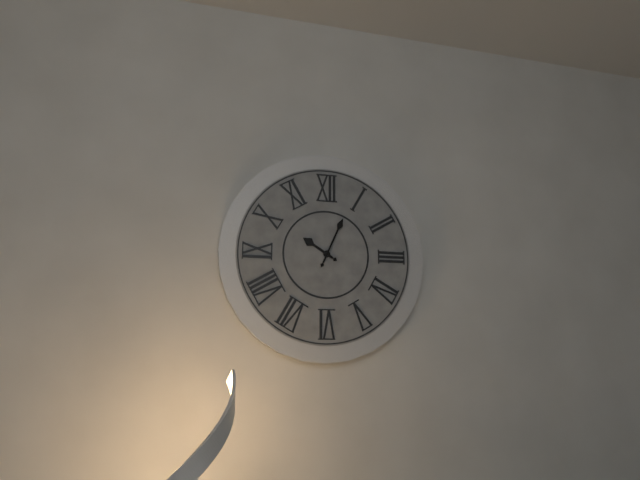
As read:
10:04
